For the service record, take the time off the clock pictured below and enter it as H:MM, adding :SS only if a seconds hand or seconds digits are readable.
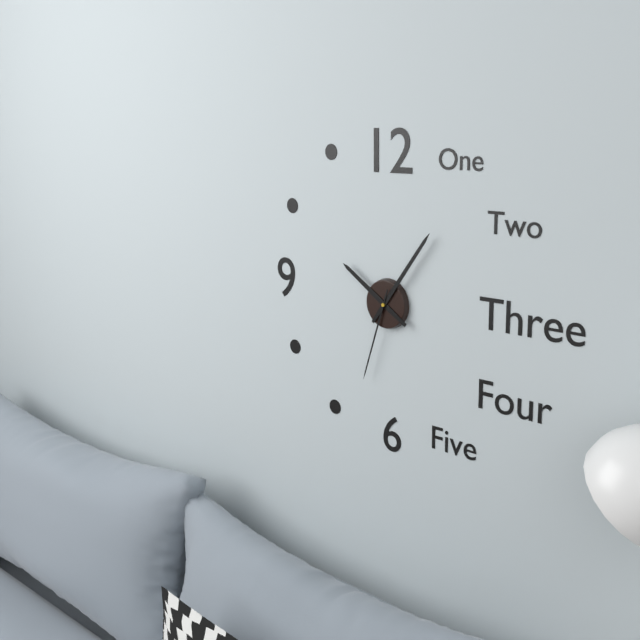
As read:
10:06:33
